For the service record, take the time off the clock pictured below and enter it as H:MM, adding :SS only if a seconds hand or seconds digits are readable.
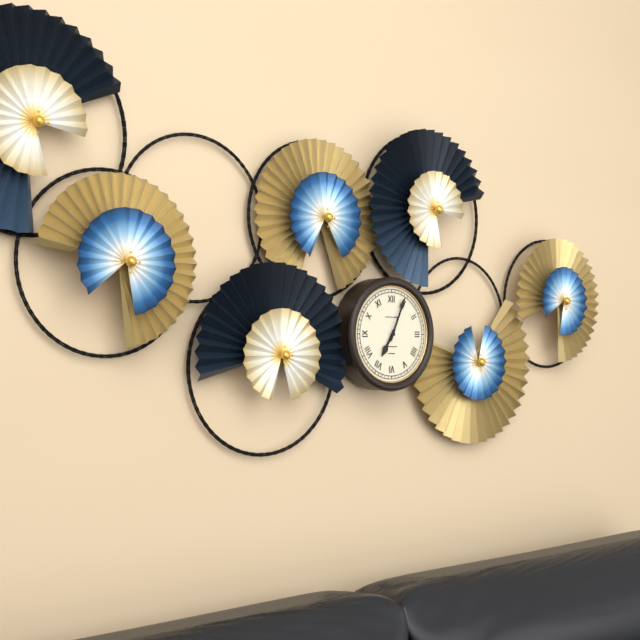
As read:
7:04
